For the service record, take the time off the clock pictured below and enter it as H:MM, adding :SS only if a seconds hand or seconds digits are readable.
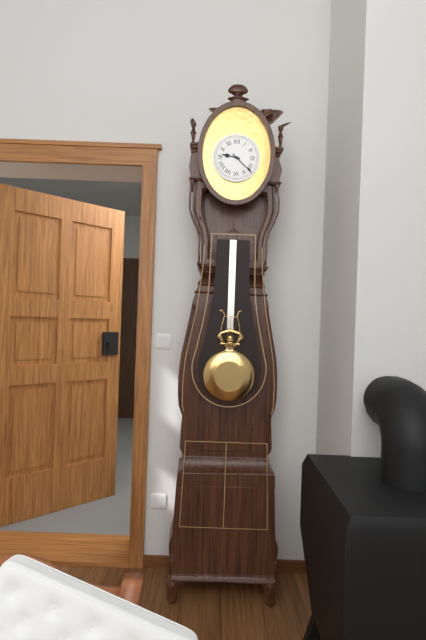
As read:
9:22
